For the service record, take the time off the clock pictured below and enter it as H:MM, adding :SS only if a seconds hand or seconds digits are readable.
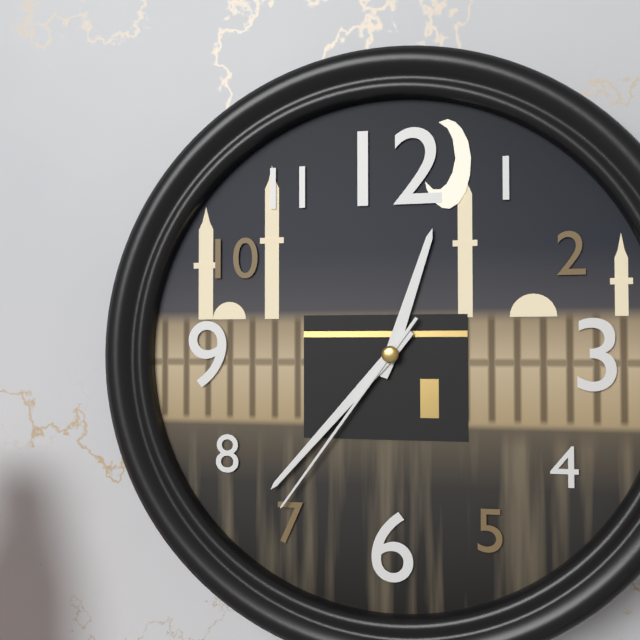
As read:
12:37:36
